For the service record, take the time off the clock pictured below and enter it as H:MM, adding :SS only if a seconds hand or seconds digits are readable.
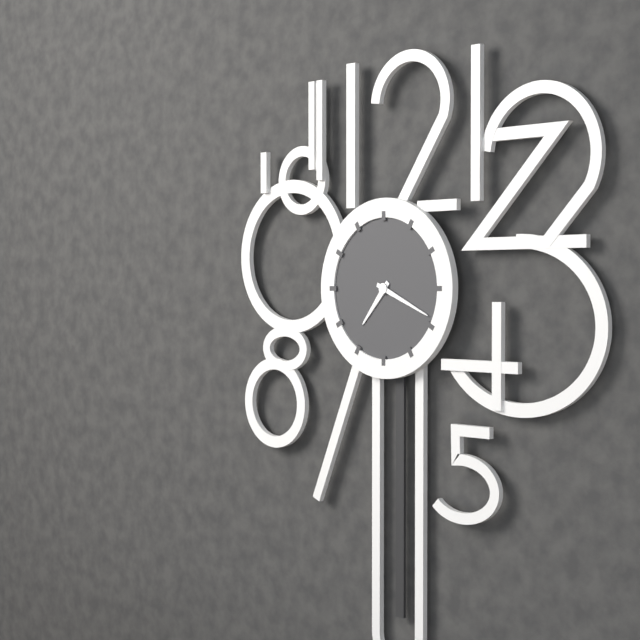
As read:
7:19
